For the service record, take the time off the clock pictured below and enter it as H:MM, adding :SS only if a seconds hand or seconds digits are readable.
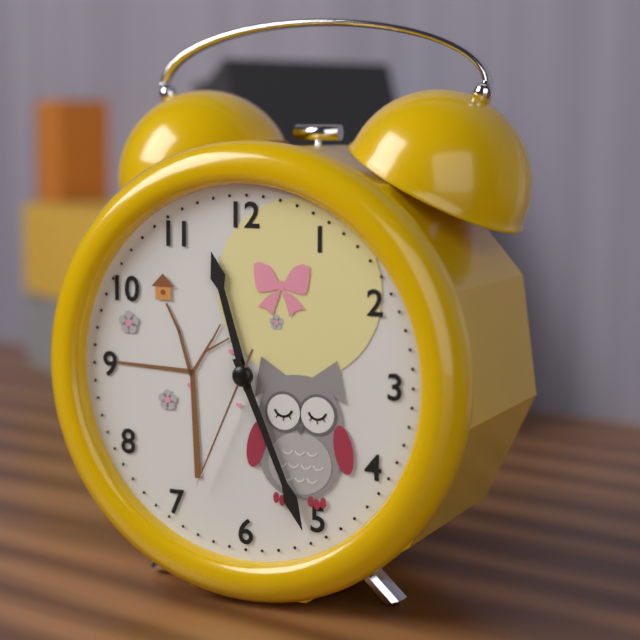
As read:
11:26:34
